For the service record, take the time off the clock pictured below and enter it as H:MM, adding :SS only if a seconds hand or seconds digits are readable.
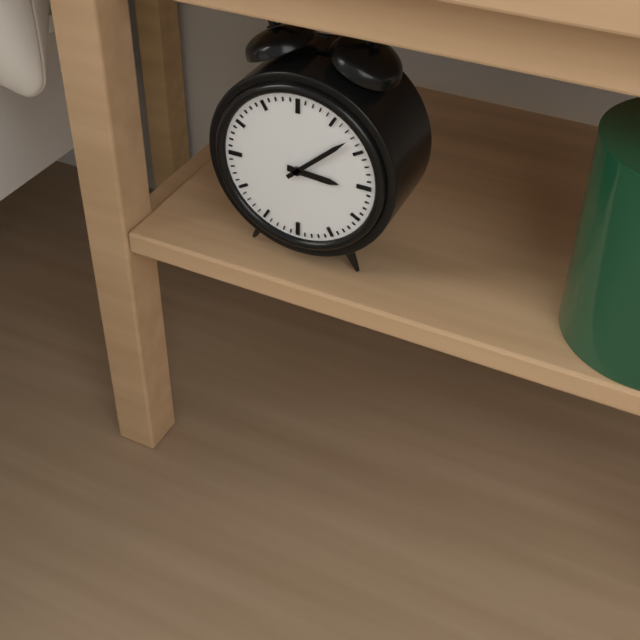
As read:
3:08
